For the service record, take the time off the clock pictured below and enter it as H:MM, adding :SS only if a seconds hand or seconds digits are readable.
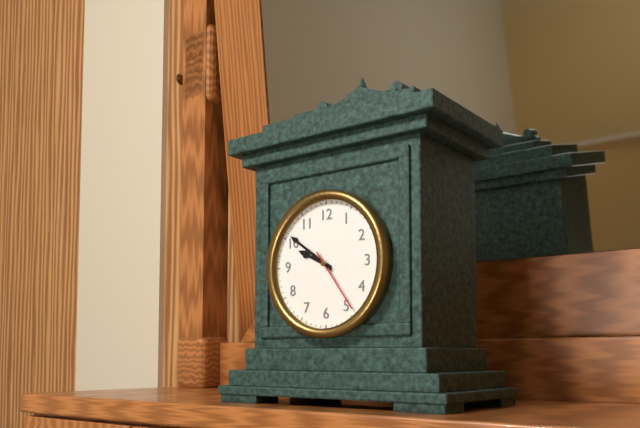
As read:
9:51:24
